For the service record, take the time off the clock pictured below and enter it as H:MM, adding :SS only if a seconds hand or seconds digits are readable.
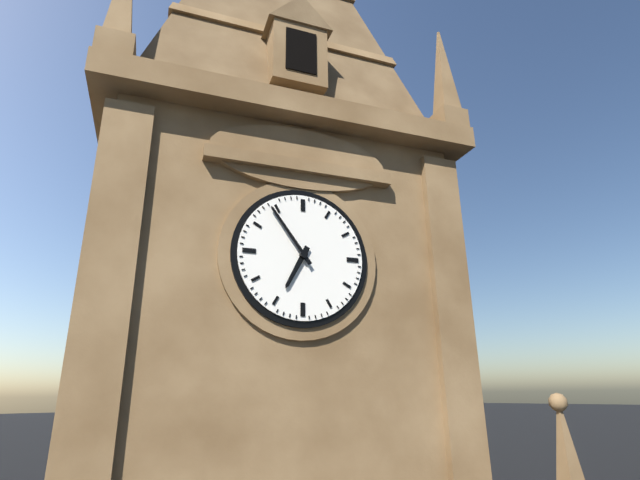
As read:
6:54
